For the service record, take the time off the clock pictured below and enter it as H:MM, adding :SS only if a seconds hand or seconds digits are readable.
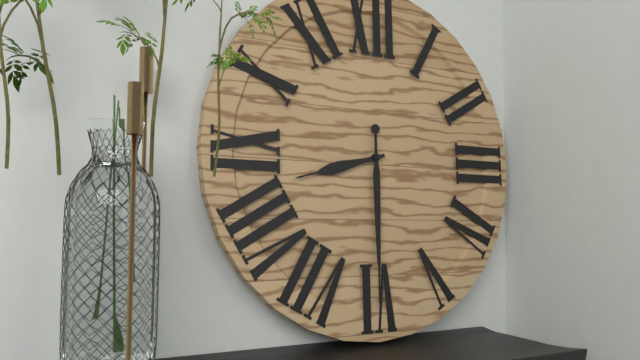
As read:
8:30
